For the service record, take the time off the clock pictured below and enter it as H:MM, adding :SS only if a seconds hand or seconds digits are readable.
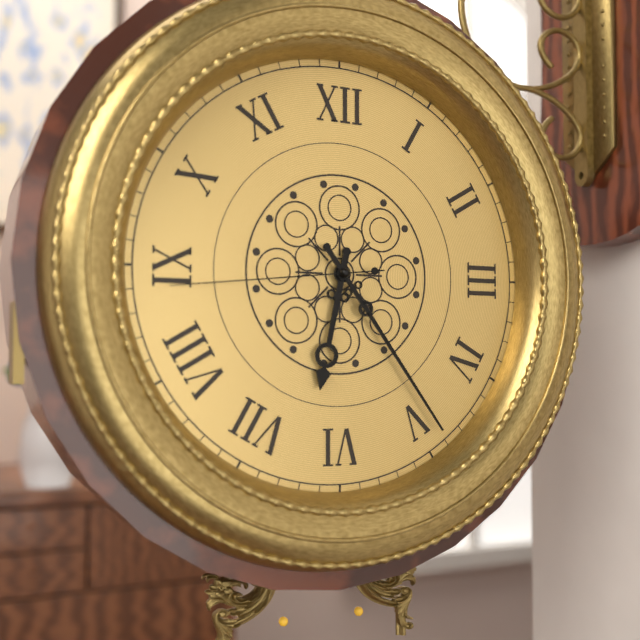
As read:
6:24:44
